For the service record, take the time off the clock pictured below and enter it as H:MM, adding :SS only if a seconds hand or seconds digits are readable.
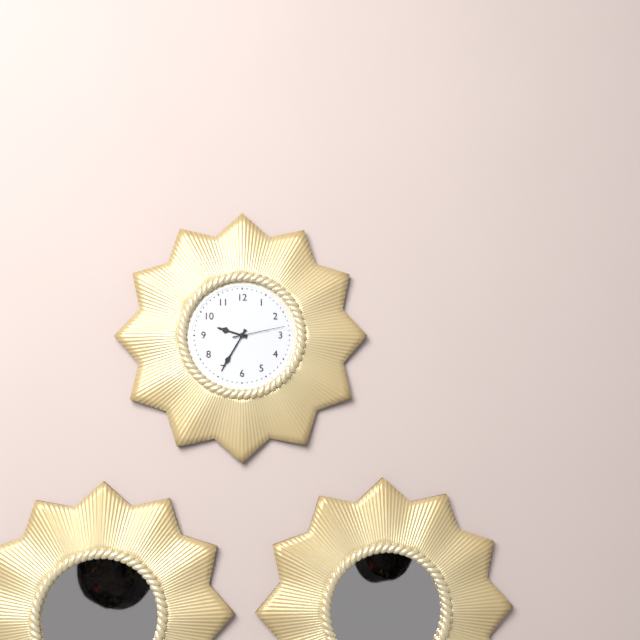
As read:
9:35:13
